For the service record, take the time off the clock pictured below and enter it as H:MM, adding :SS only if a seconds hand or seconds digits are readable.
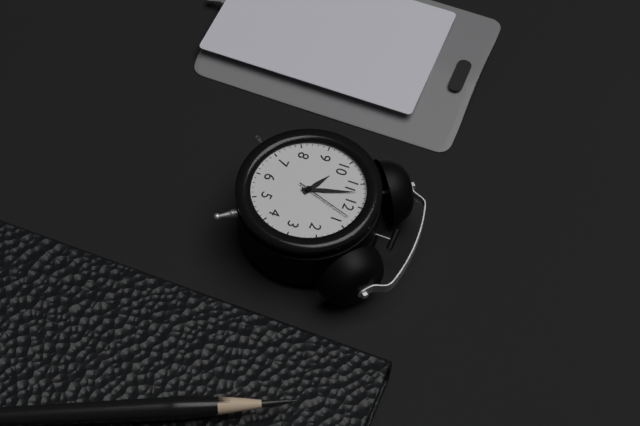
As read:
9:57:03
